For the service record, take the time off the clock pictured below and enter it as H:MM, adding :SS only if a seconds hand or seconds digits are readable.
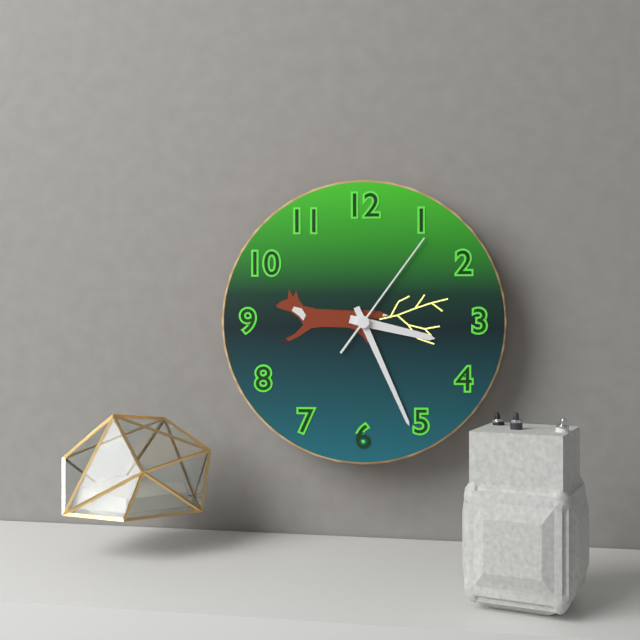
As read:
3:26:06
